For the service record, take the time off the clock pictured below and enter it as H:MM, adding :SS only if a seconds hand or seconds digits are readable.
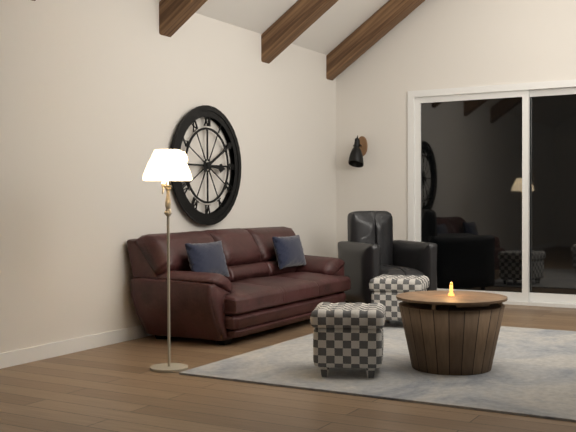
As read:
3:10
